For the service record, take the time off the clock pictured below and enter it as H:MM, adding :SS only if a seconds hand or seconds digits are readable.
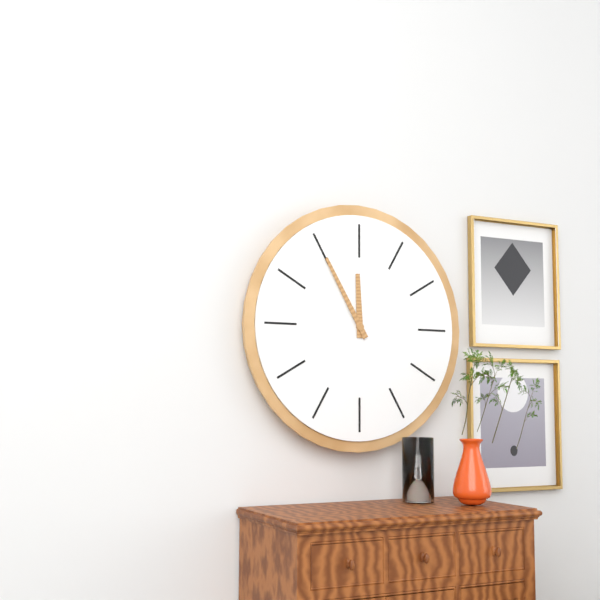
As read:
11:55
